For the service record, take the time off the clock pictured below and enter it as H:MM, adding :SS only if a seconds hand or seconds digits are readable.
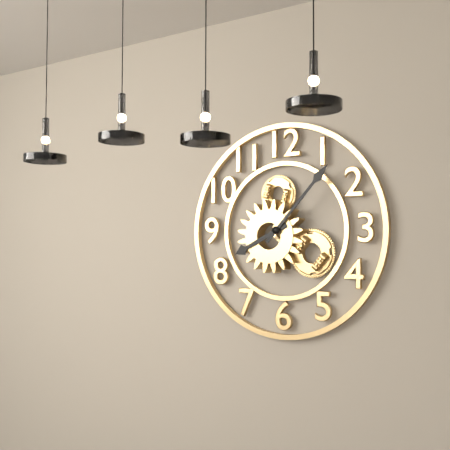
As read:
8:07
